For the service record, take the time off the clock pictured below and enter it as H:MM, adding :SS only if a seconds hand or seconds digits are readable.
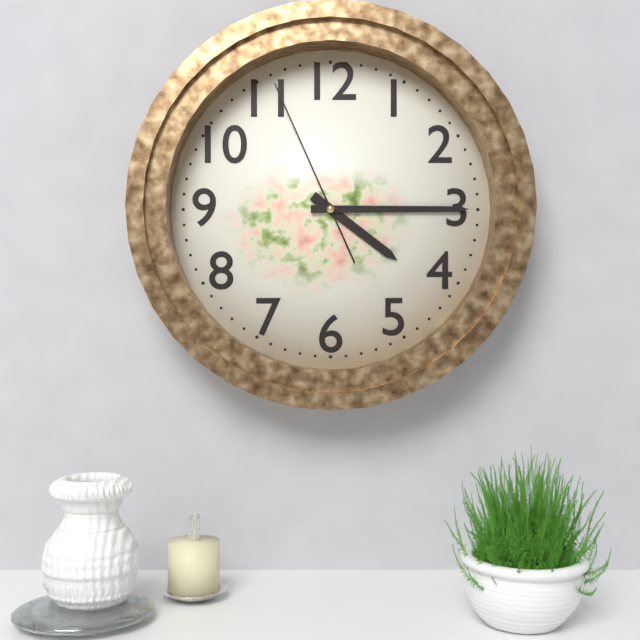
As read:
4:15:56
